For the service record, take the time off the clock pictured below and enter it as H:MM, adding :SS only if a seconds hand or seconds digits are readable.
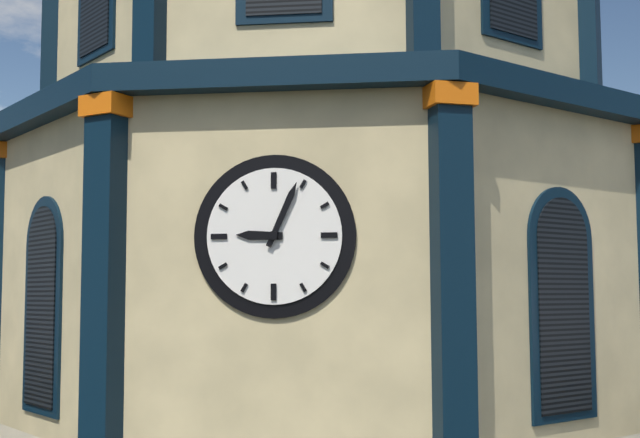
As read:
9:04
